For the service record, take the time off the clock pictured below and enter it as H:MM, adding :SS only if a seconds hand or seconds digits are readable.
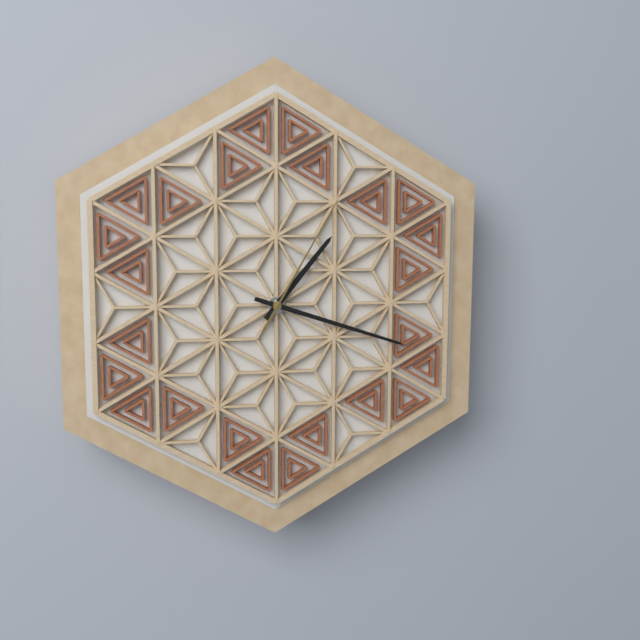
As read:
1:18:05
